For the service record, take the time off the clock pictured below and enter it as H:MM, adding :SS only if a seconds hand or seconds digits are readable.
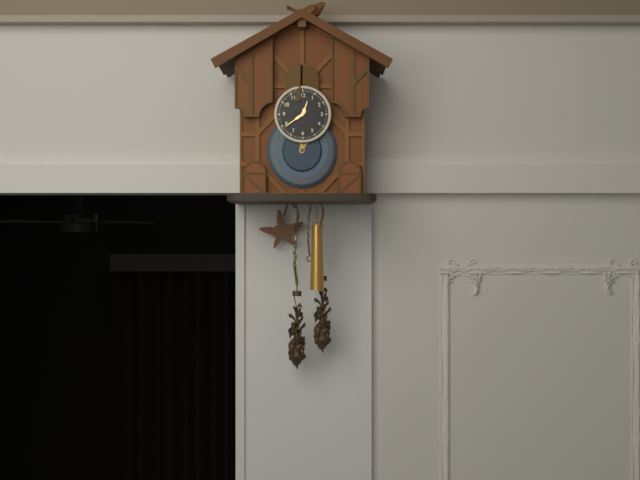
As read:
12:39
